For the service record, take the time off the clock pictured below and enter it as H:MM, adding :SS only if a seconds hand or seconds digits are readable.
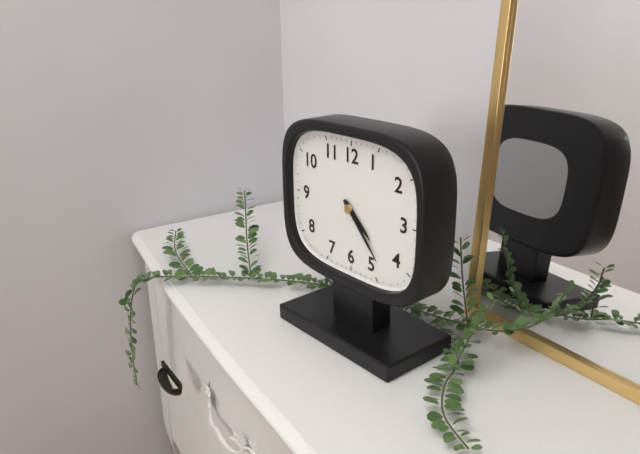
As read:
4:23
